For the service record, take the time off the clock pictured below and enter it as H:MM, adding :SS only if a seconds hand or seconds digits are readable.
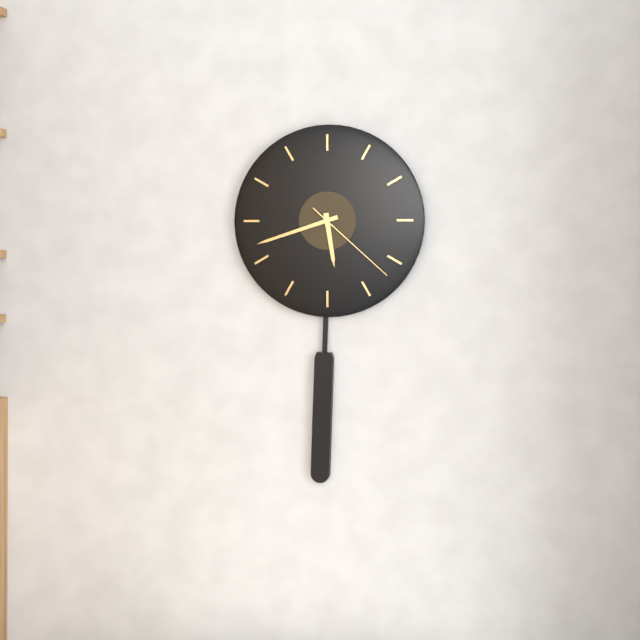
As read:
5:42:22
